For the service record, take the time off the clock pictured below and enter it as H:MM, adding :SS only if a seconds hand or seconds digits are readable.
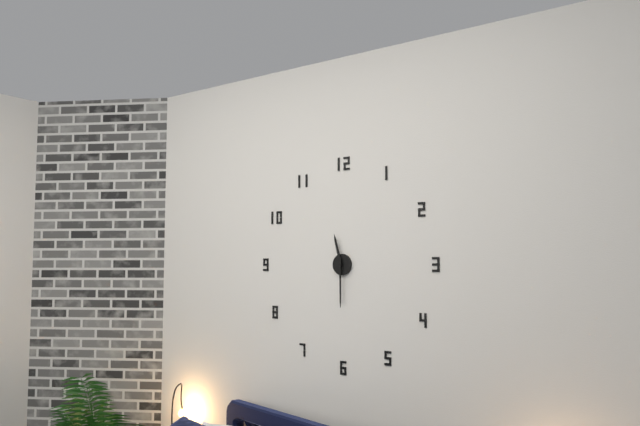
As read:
11:30
